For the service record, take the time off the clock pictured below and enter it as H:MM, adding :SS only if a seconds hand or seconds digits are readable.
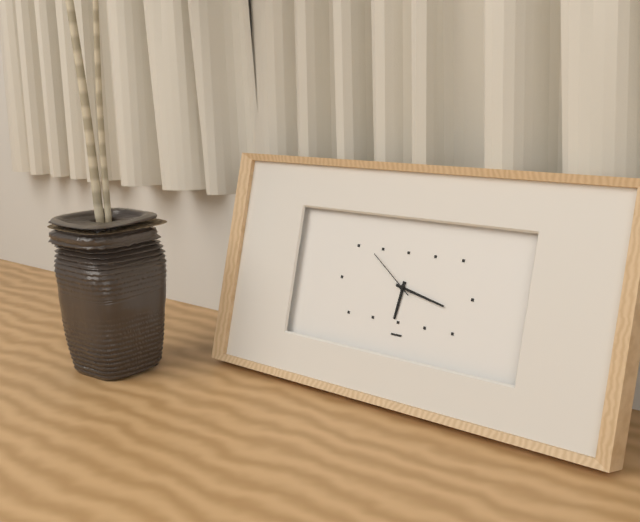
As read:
6:17:51
